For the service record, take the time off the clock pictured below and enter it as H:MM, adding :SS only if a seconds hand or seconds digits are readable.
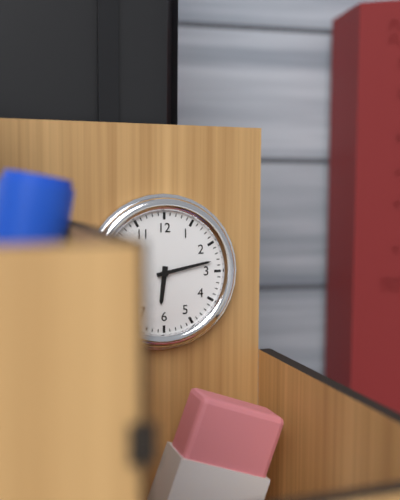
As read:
6:13
